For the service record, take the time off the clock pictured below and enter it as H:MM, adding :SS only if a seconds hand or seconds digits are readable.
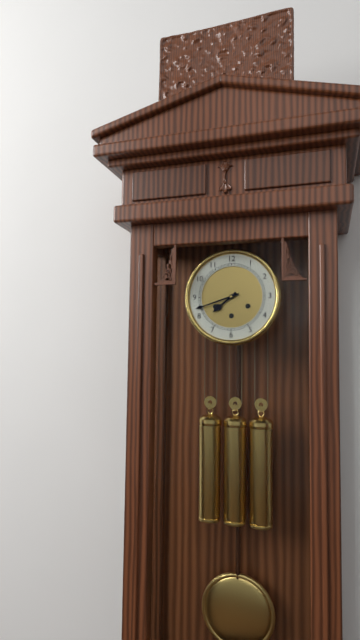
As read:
7:42
